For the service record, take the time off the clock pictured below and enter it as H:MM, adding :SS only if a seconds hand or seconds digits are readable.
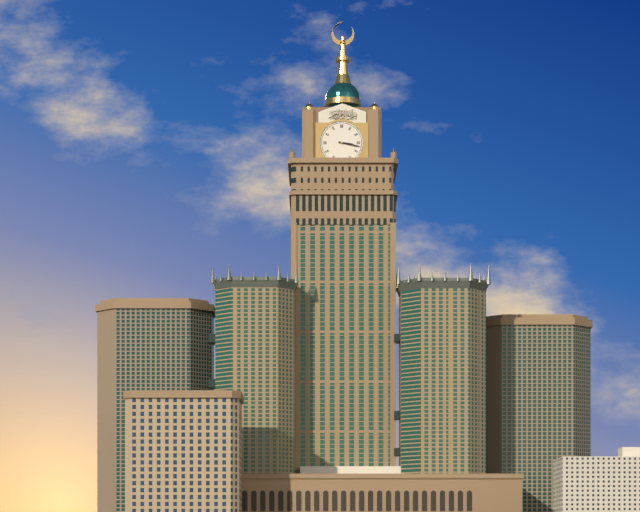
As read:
3:17
